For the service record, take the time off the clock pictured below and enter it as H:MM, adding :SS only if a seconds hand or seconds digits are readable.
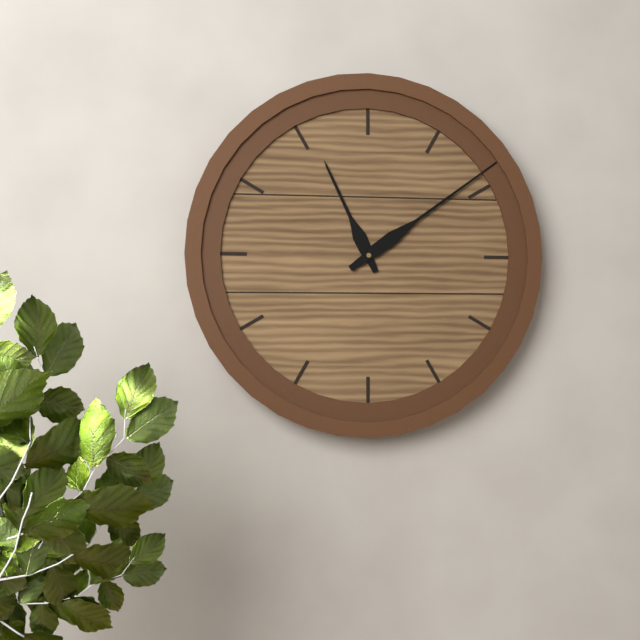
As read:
11:09
